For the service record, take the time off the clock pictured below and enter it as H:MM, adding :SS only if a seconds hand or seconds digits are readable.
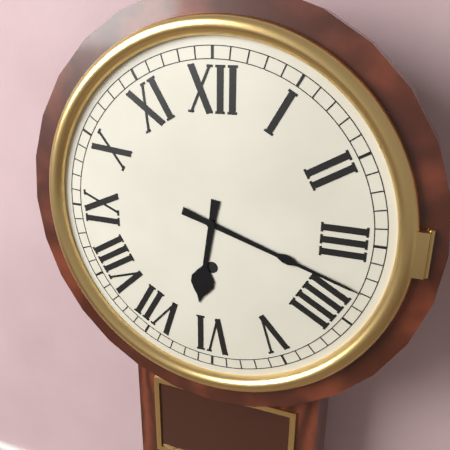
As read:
6:18
